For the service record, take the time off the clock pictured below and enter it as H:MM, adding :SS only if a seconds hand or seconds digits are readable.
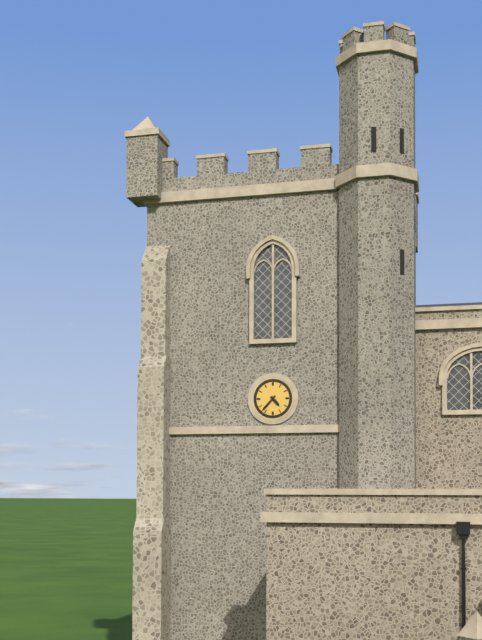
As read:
4:37
